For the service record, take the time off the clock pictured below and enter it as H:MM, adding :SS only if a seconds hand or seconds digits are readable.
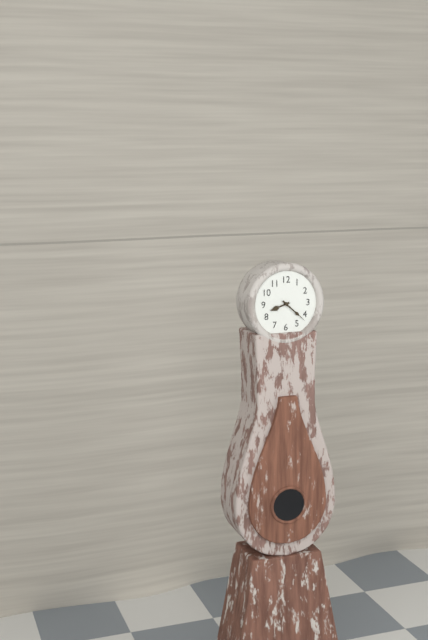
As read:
8:22
